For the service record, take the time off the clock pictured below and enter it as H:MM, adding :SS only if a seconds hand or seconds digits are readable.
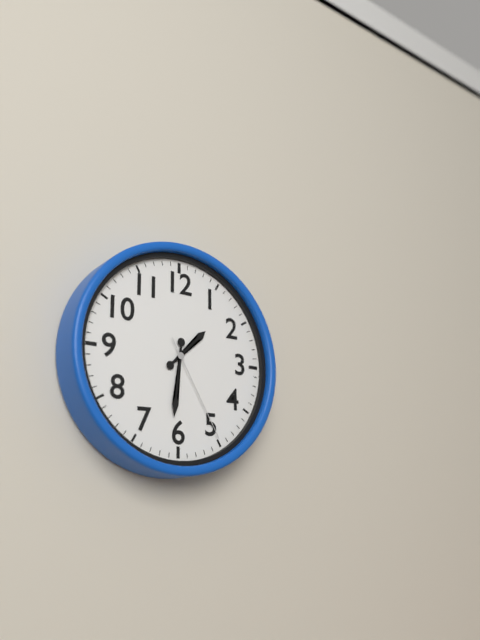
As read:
1:31:25
